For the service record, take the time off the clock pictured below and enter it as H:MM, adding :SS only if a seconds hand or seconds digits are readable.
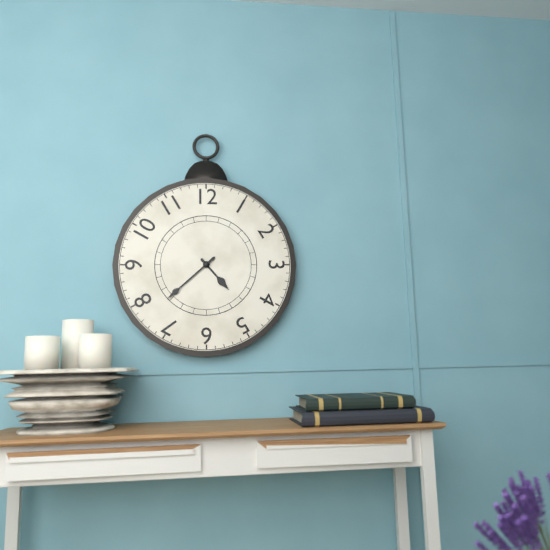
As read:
4:38
